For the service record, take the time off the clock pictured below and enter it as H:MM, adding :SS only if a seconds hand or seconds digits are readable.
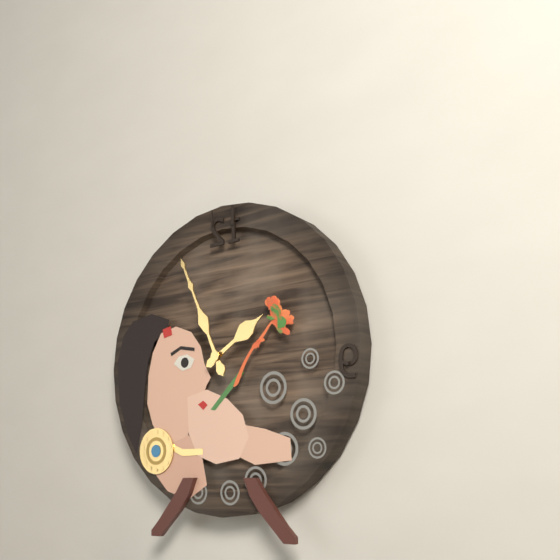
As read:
1:56
